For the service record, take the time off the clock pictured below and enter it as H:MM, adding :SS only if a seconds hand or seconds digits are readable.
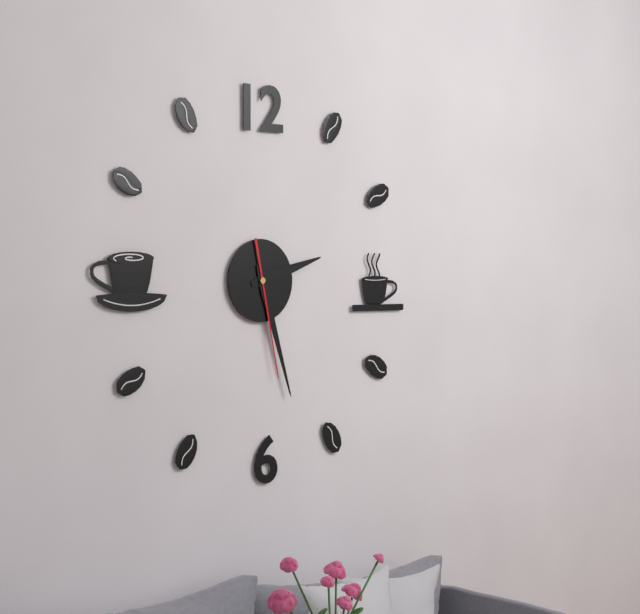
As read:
2:27:28
